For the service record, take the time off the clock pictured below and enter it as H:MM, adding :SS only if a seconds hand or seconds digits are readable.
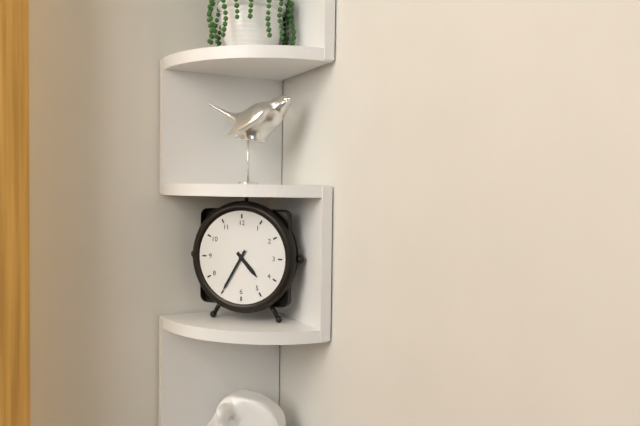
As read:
4:35
